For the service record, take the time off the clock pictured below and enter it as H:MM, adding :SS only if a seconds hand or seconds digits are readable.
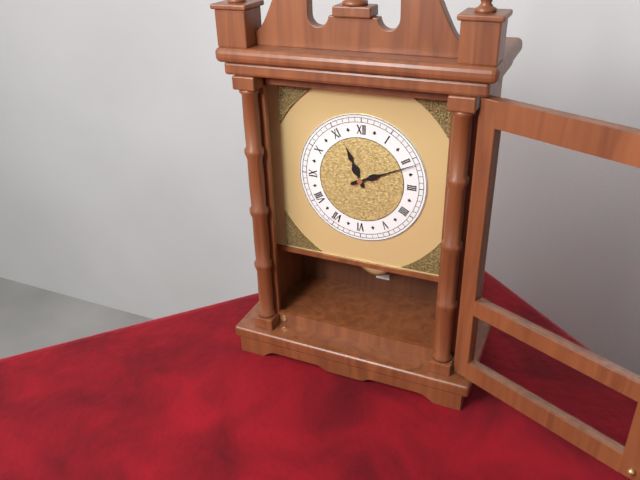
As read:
11:11
